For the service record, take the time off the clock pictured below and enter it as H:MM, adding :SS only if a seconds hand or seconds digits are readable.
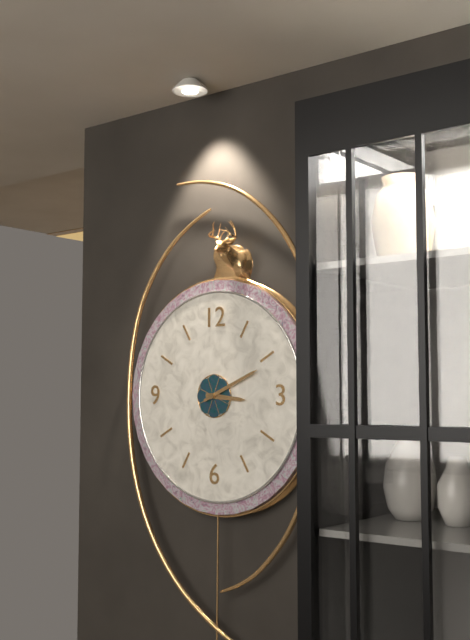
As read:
3:11
